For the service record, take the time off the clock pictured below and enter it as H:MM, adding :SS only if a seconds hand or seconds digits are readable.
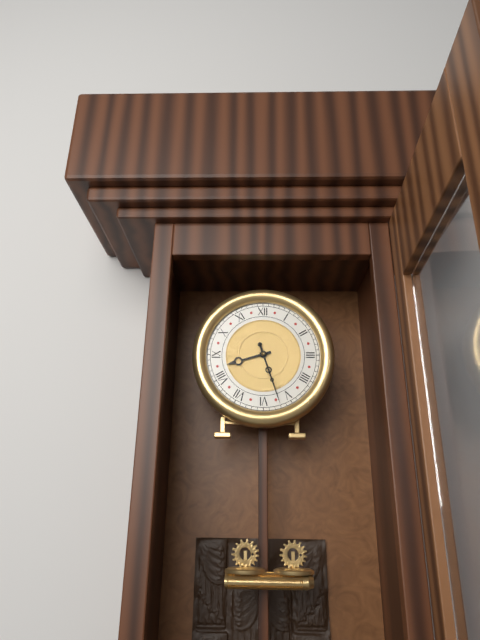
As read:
8:27
